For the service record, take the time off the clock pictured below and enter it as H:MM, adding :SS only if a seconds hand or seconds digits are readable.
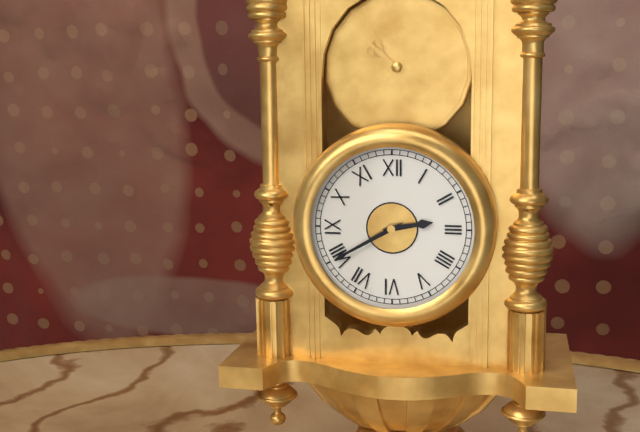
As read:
2:40
